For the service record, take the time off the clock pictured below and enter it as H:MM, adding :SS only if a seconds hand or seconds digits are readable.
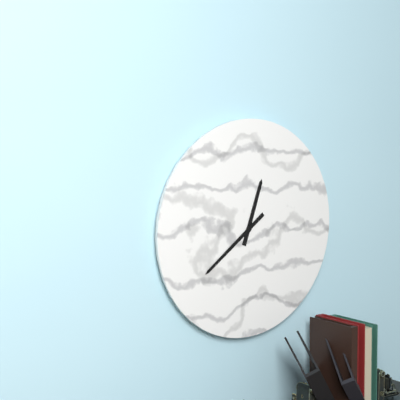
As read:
12:39
